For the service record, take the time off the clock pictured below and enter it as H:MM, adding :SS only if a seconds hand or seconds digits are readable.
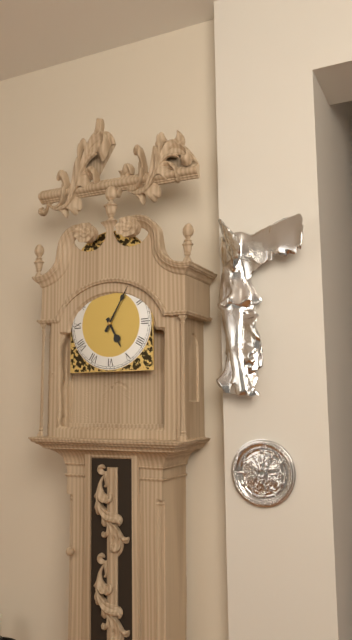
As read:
5:05
